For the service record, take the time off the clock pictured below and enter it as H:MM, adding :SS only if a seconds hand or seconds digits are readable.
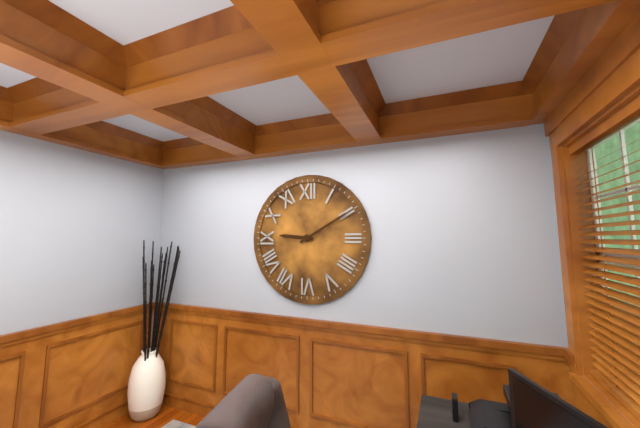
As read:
9:10
